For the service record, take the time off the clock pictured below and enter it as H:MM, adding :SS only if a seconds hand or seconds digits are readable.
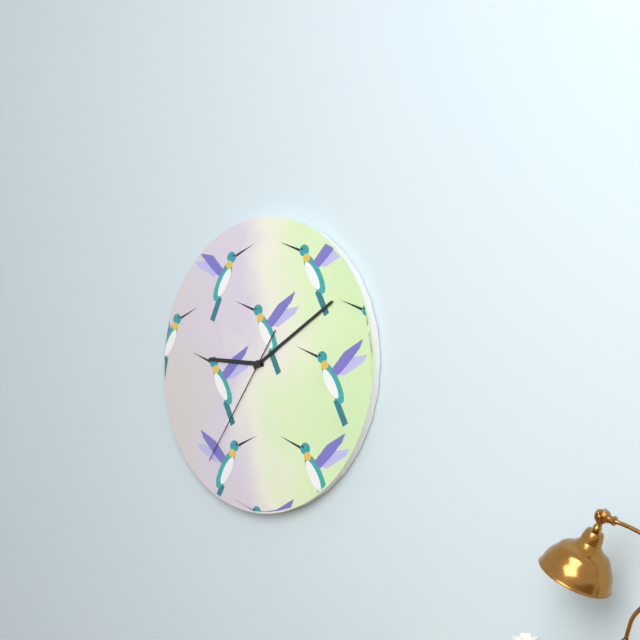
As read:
9:10:36
